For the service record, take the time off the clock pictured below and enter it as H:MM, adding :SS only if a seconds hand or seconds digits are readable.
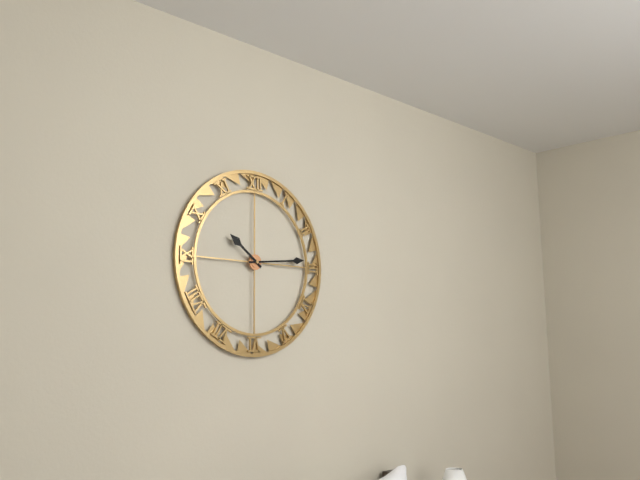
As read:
10:14
